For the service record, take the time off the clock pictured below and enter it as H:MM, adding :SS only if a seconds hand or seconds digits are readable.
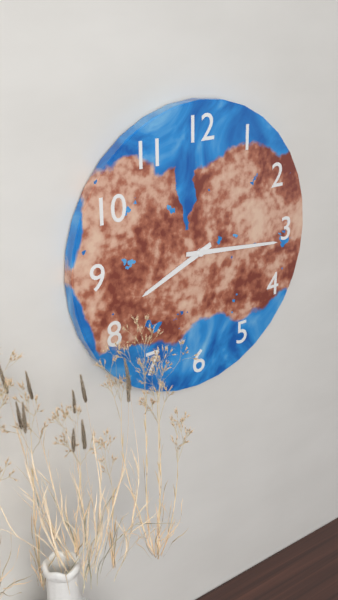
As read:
8:16
